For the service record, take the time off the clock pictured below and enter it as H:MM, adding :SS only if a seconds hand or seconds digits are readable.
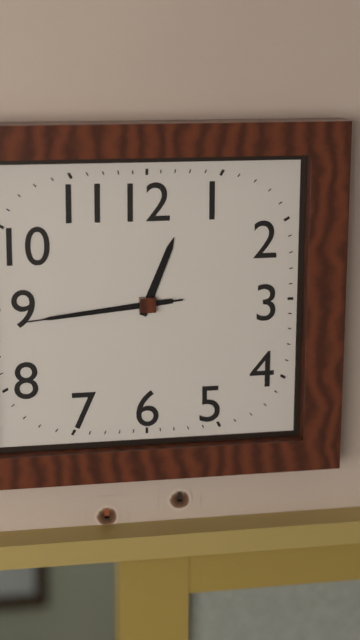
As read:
12:44:44
